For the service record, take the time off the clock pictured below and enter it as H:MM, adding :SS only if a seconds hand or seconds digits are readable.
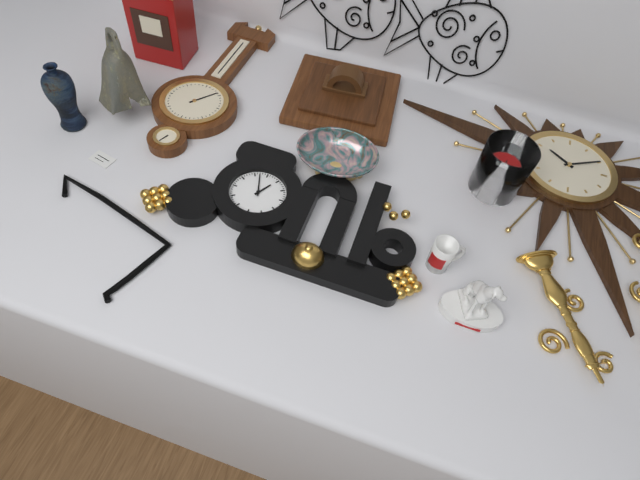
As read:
12:57
